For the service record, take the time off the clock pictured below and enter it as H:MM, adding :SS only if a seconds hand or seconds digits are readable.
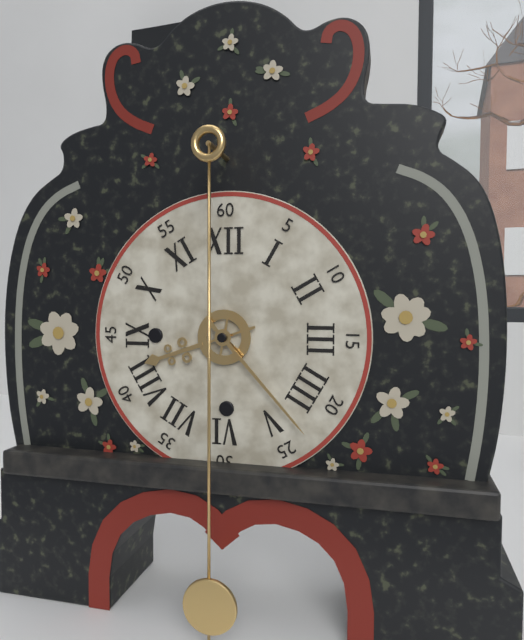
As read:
8:23
